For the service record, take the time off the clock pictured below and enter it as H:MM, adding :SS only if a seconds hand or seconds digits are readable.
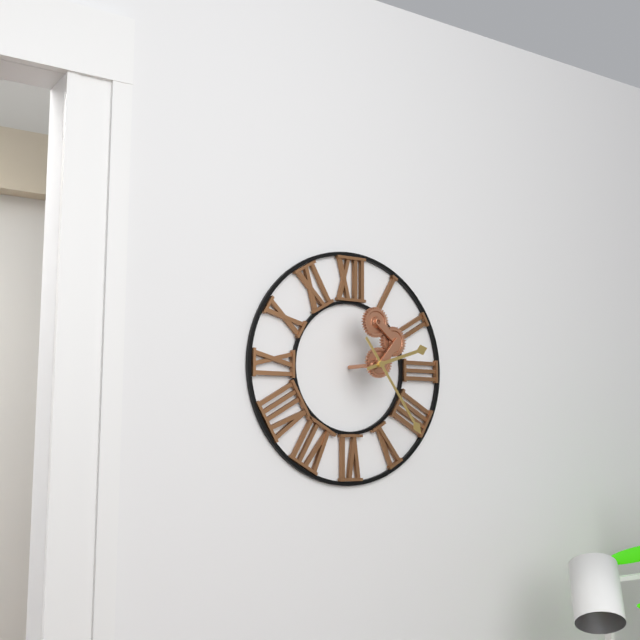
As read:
2:24
